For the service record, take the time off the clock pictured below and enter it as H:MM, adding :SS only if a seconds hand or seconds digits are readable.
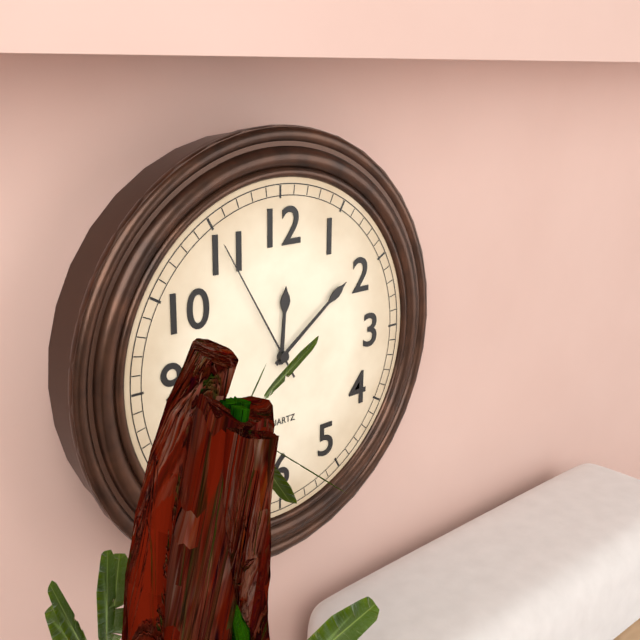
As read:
12:09:55
